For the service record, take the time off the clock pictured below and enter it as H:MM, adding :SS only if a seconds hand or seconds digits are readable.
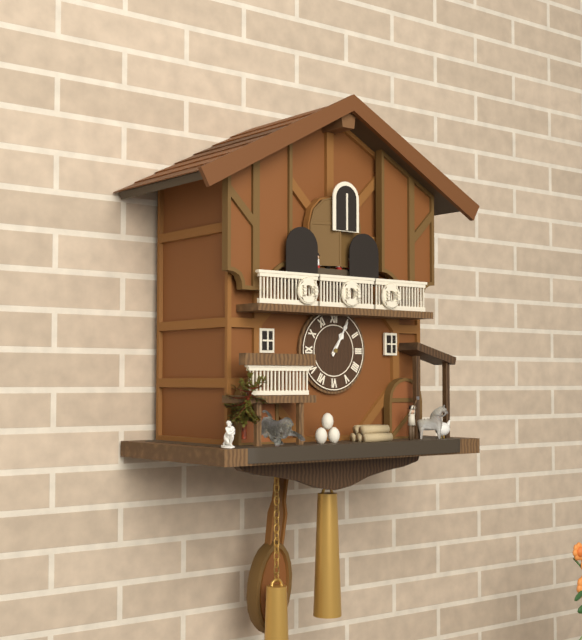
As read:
1:05
